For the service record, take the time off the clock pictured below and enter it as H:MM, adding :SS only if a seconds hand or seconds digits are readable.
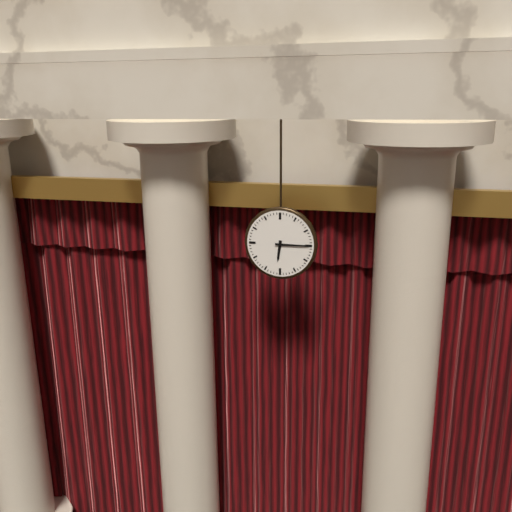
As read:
6:15
